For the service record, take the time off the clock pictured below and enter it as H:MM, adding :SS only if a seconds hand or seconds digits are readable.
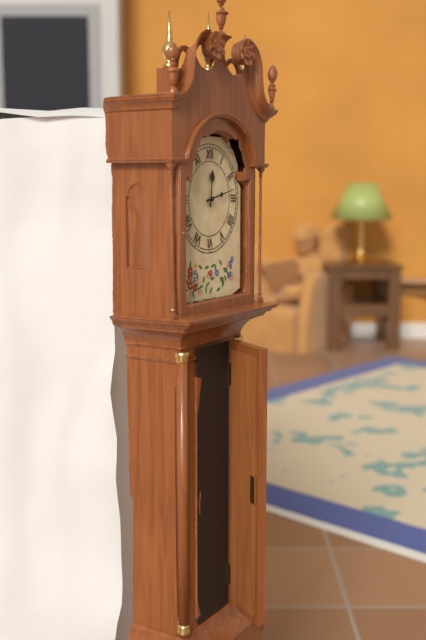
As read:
12:13
